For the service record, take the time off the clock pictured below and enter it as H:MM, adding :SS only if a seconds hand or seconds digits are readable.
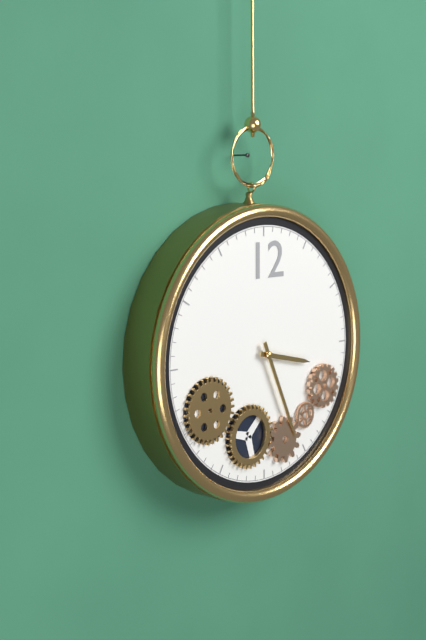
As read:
3:26
